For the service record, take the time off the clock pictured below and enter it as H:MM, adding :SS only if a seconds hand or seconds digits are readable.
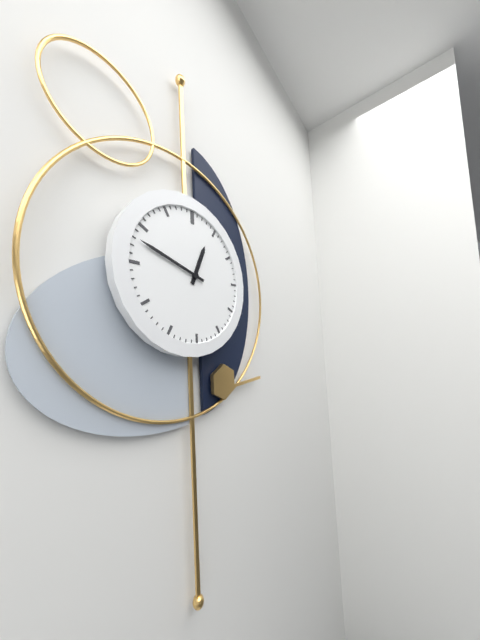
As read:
12:48
